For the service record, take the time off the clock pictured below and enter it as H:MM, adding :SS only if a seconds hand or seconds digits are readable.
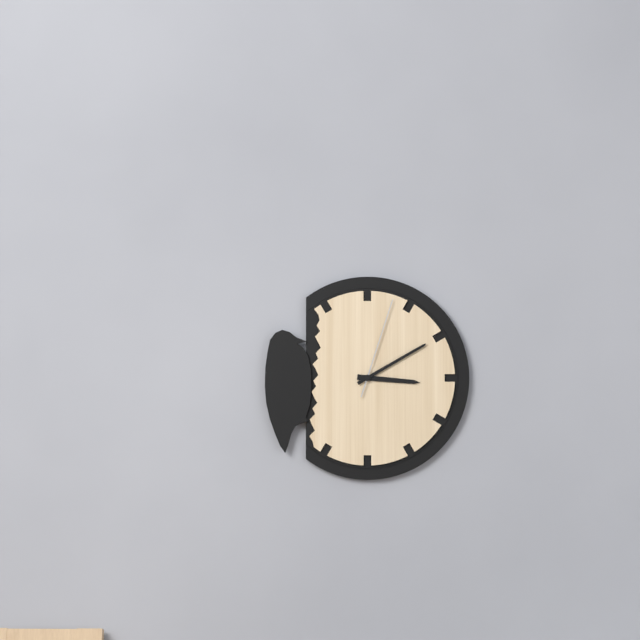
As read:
3:10:03
